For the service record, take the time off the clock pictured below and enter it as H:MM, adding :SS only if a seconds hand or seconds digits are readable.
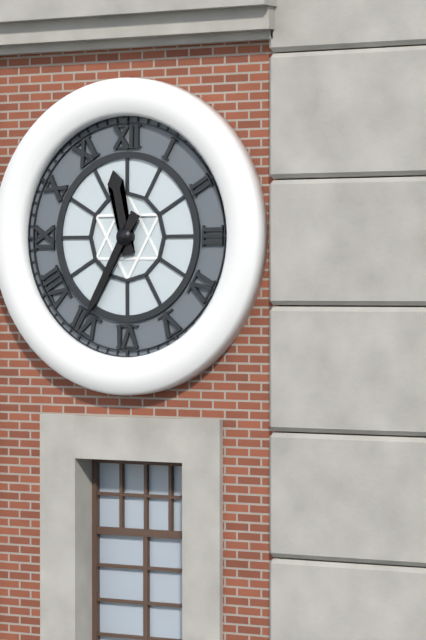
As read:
11:35
